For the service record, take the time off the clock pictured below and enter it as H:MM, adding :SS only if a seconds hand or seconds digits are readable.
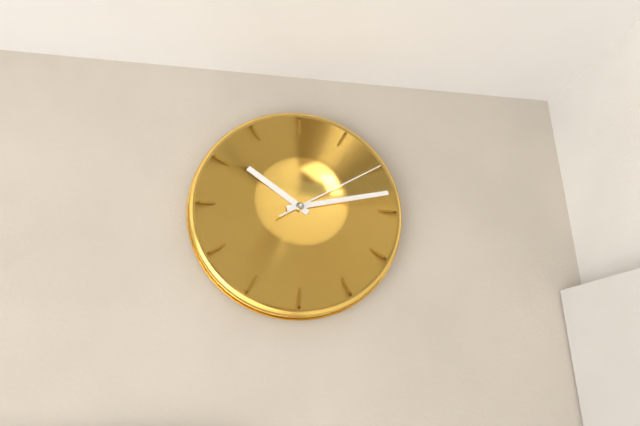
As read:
10:13:10
